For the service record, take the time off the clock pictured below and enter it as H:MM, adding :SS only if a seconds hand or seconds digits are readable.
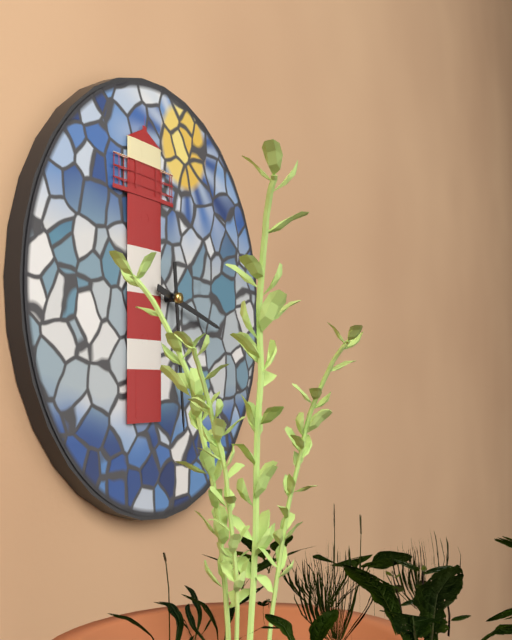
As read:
3:29
